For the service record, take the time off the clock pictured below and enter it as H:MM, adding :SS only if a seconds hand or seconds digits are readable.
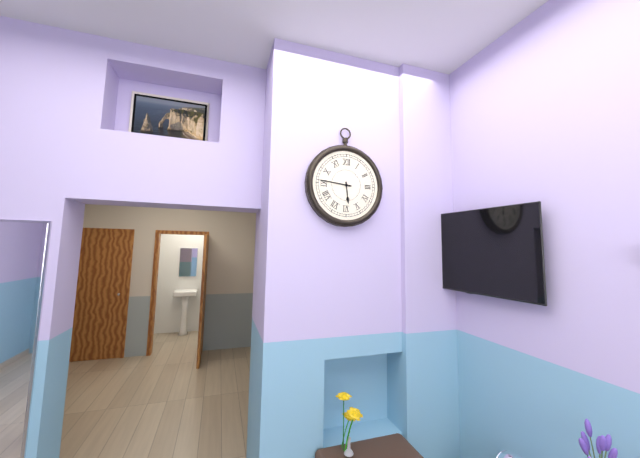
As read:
5:46
